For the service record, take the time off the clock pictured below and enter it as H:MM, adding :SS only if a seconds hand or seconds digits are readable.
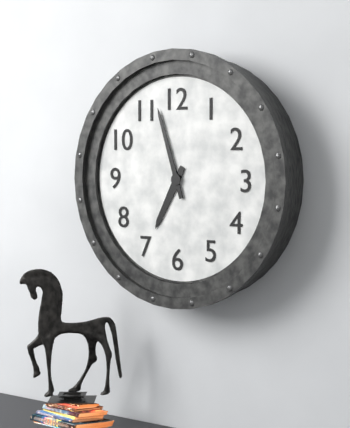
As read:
6:57
